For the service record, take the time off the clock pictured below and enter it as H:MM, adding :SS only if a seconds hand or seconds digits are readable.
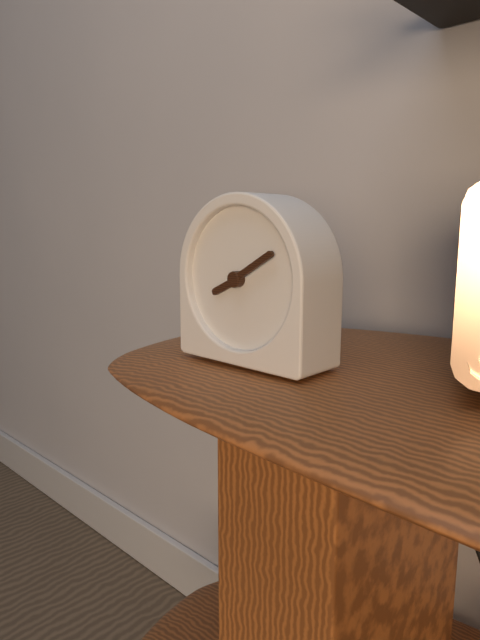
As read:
8:10
